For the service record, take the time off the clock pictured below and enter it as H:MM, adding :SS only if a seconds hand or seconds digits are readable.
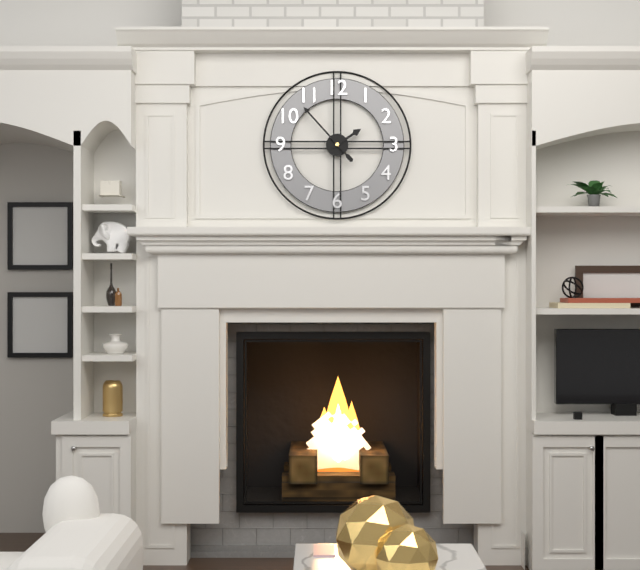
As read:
1:53
